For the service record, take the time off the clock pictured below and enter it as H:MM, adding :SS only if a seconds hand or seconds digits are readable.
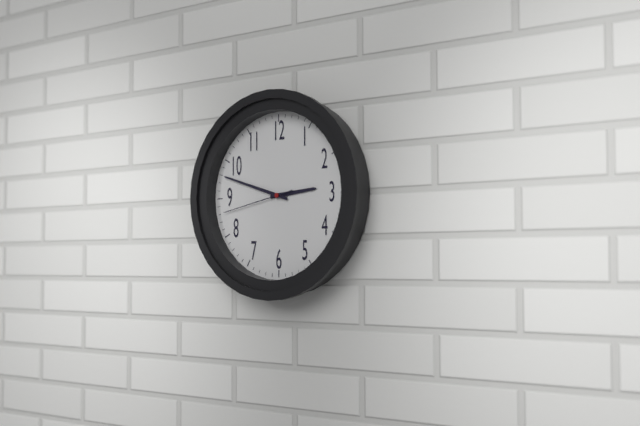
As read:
2:48:43
